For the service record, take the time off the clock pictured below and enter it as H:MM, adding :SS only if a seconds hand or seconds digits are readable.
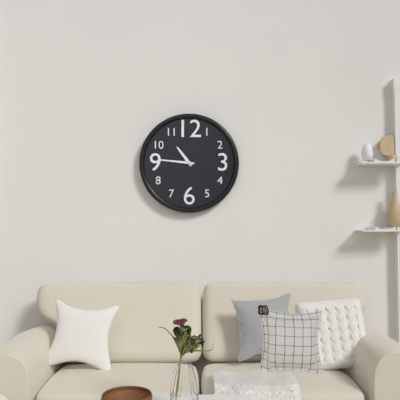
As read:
10:46
